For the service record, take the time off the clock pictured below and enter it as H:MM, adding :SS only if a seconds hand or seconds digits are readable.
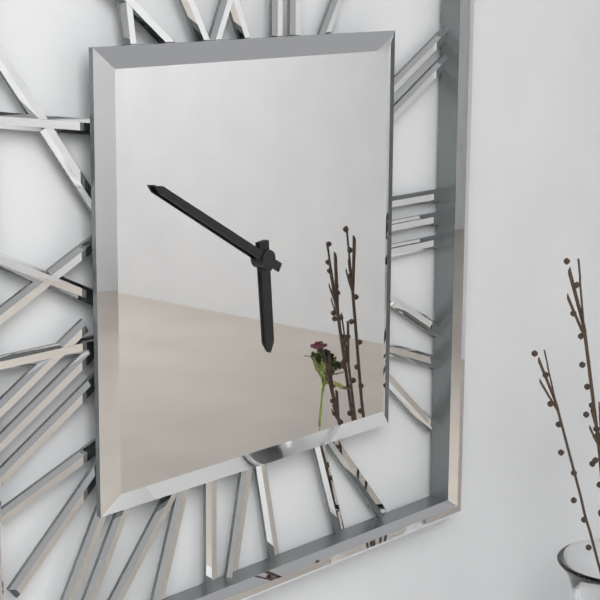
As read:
5:50
